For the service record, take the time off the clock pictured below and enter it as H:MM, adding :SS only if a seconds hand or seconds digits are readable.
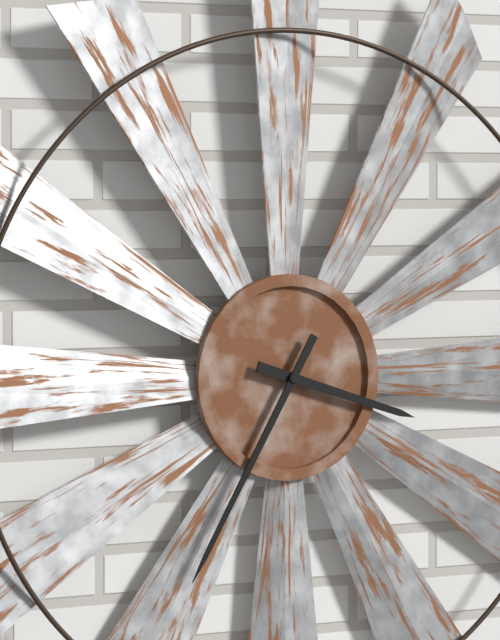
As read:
3:35
